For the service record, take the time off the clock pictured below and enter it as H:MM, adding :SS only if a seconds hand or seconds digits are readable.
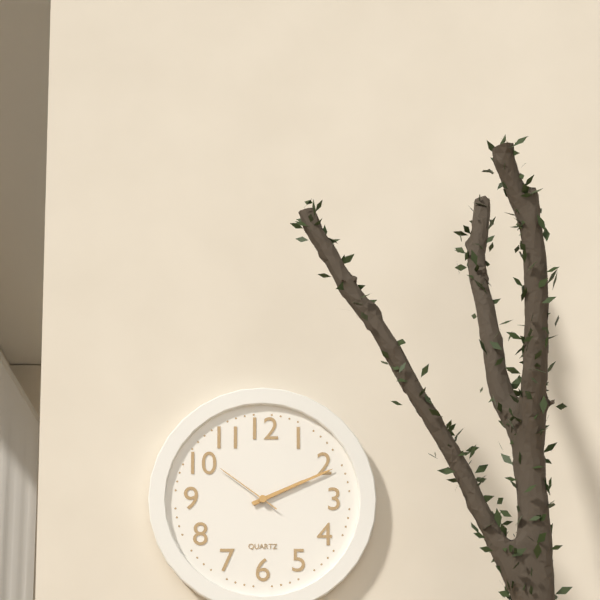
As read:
2:11:51
